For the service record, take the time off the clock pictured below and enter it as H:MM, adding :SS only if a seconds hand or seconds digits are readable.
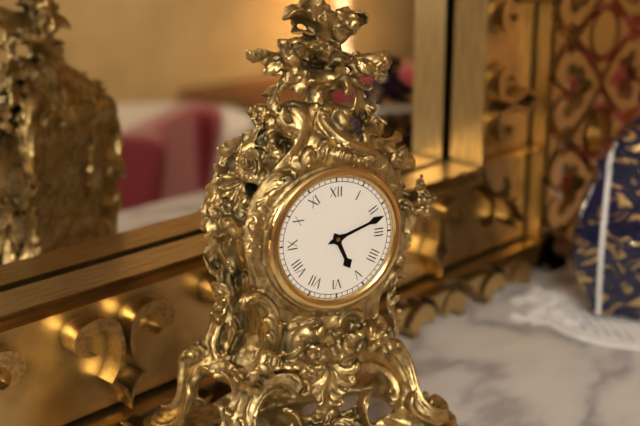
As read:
5:12
